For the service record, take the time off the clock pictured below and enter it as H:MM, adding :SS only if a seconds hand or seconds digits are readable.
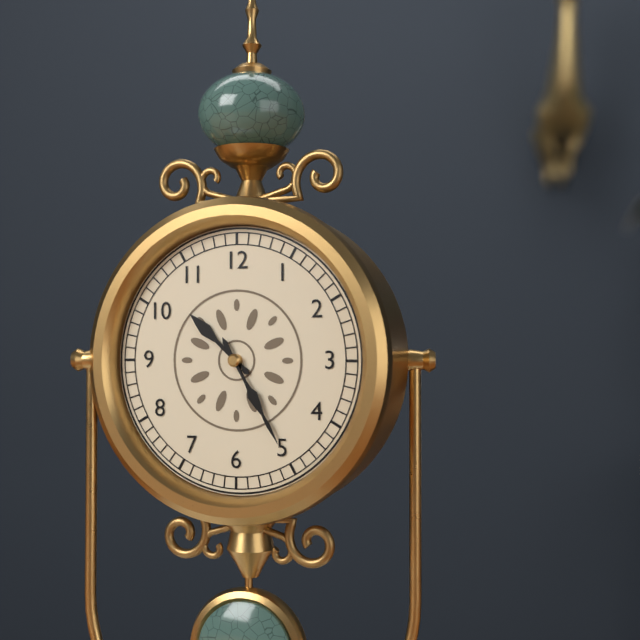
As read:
10:25
